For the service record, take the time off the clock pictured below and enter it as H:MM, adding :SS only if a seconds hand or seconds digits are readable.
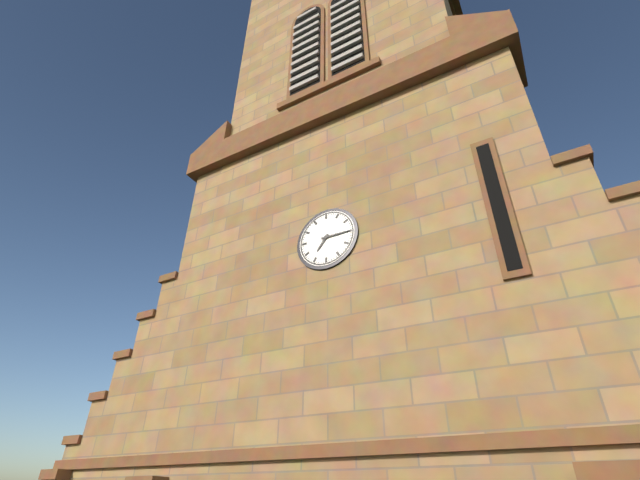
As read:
7:15
